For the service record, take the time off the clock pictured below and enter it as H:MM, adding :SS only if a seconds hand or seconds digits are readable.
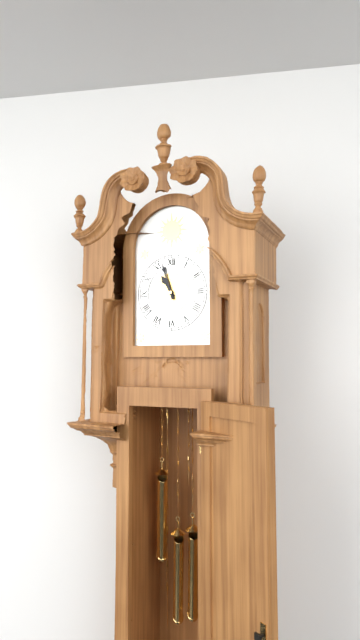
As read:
10:57
